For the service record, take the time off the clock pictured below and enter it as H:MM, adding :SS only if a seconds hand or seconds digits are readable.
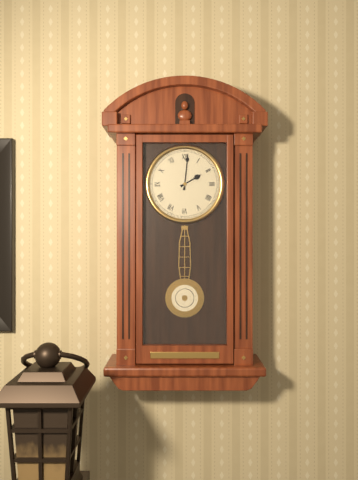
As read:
2:01
